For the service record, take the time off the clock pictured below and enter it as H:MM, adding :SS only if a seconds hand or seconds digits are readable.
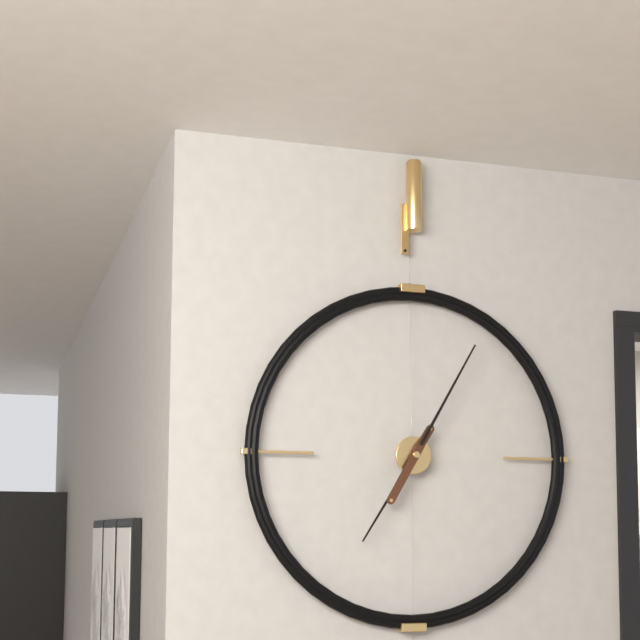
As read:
7:05
